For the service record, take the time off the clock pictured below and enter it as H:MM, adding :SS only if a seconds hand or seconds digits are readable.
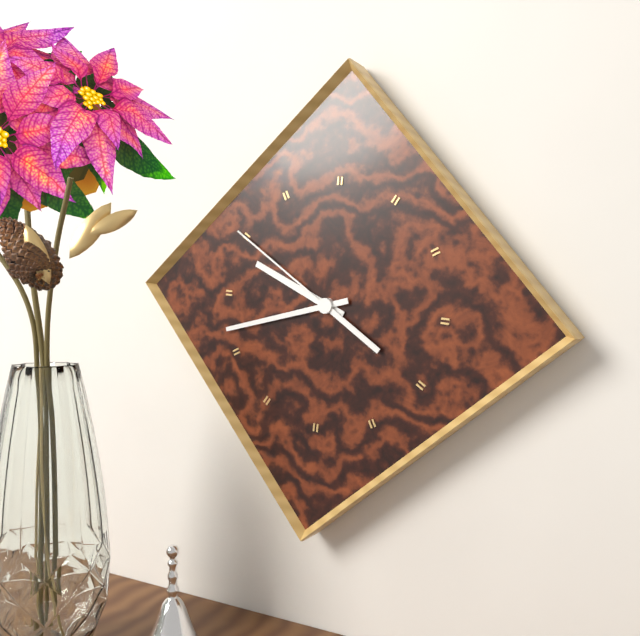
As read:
9:42:50
